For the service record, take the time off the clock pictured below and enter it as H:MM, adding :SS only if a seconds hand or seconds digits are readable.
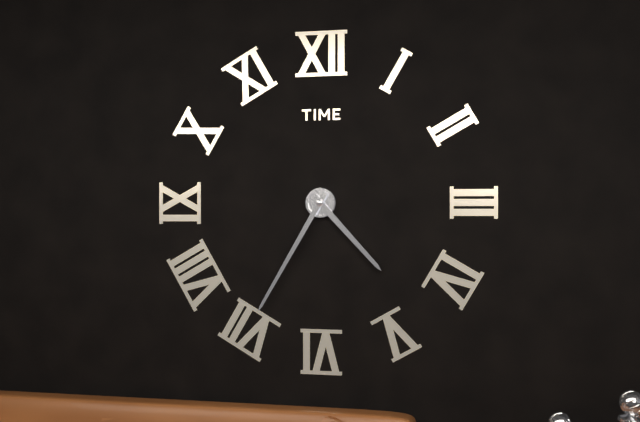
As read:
4:35
